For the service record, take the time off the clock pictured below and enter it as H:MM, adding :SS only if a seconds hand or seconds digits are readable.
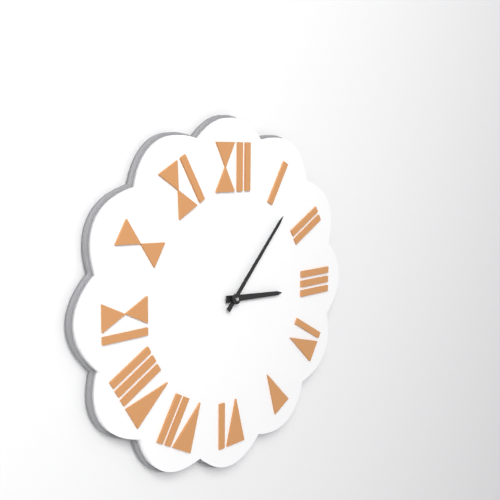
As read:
3:07
